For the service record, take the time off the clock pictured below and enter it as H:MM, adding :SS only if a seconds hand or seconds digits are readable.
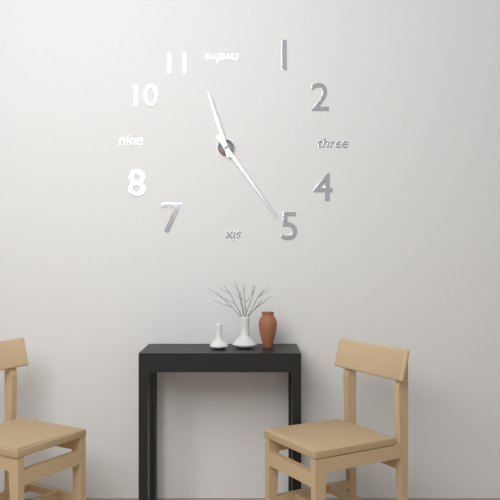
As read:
11:24
